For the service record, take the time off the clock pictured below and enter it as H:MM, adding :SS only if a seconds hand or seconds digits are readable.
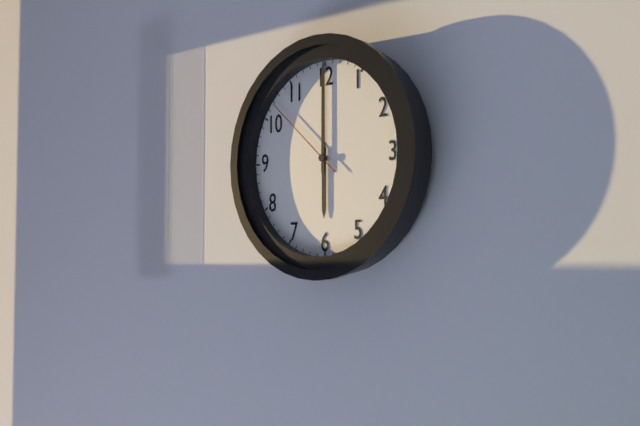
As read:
6:00:52
